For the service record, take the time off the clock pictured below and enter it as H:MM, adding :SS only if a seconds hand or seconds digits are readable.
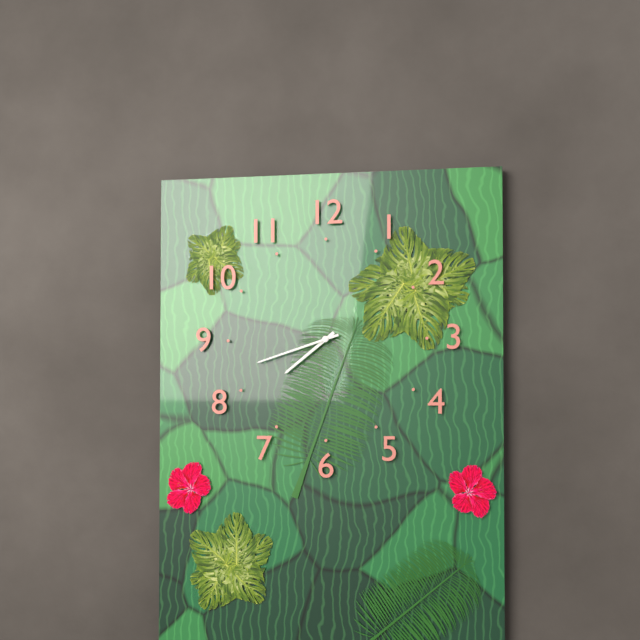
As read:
7:42
